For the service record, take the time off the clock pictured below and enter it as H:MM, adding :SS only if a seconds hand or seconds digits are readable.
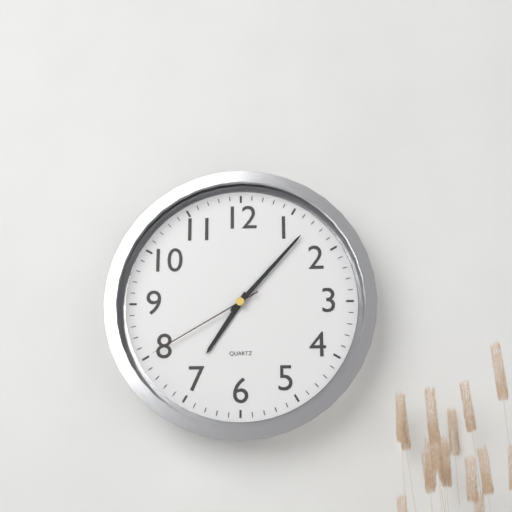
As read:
7:07:40
